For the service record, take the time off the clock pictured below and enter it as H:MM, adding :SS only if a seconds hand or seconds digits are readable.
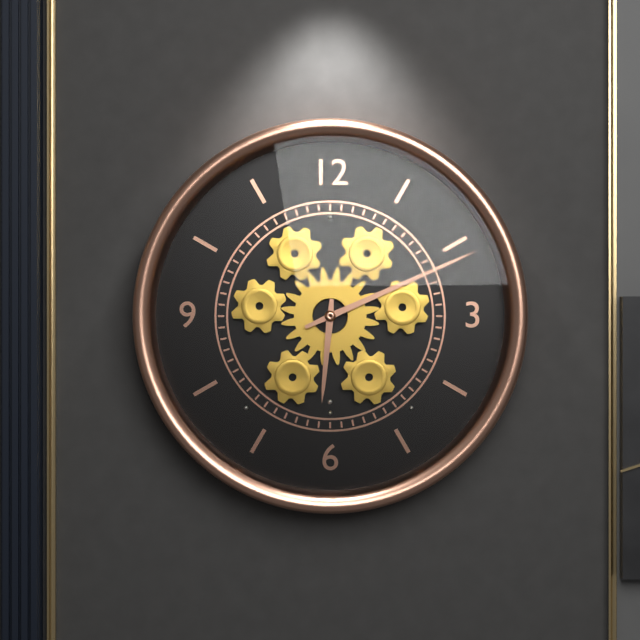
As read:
6:11
